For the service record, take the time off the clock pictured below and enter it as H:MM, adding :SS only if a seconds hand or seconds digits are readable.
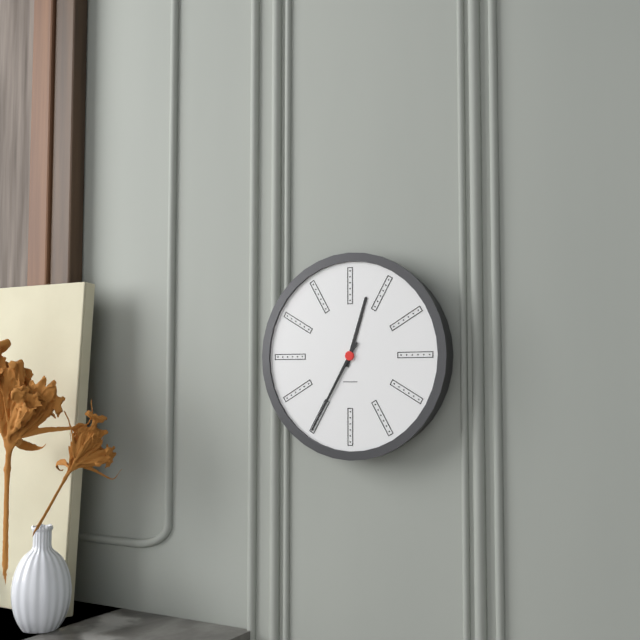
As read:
12:35
